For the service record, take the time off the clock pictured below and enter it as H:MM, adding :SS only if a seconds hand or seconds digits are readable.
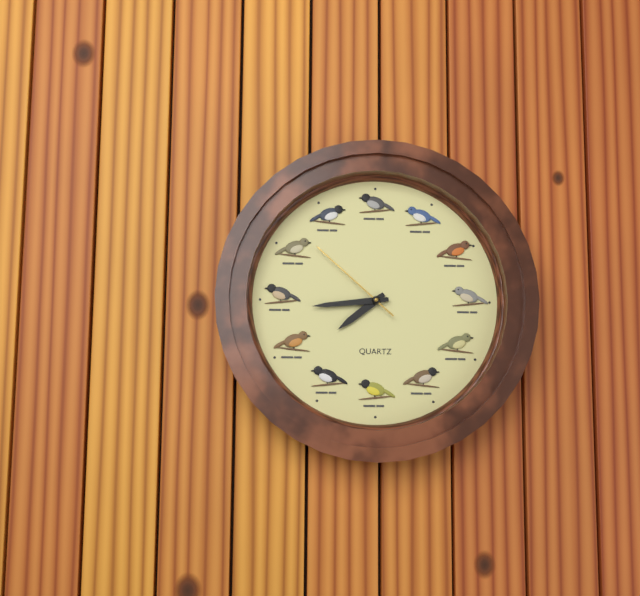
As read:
7:44:52
